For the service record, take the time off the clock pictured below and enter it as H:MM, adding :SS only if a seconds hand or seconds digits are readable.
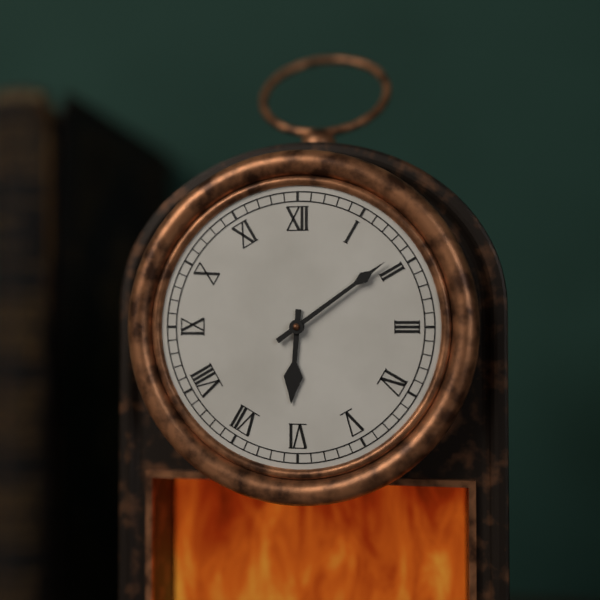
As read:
6:09
